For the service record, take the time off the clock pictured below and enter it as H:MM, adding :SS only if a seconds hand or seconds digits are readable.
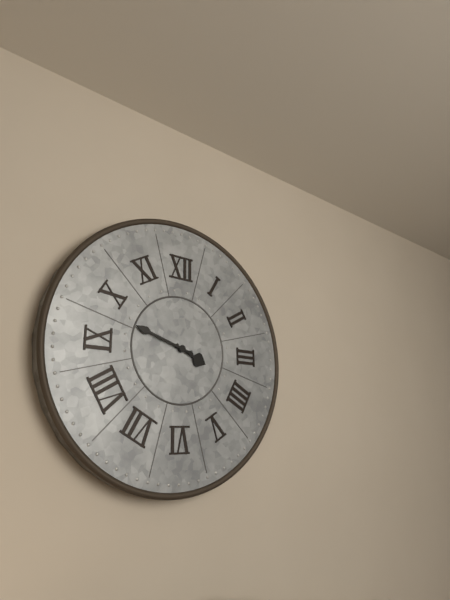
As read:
3:48
